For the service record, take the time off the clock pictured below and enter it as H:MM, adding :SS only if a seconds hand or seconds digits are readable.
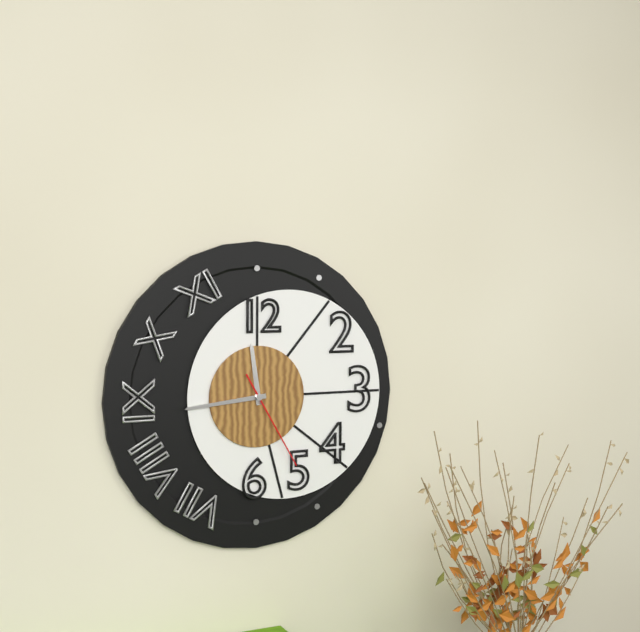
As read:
11:44:25
